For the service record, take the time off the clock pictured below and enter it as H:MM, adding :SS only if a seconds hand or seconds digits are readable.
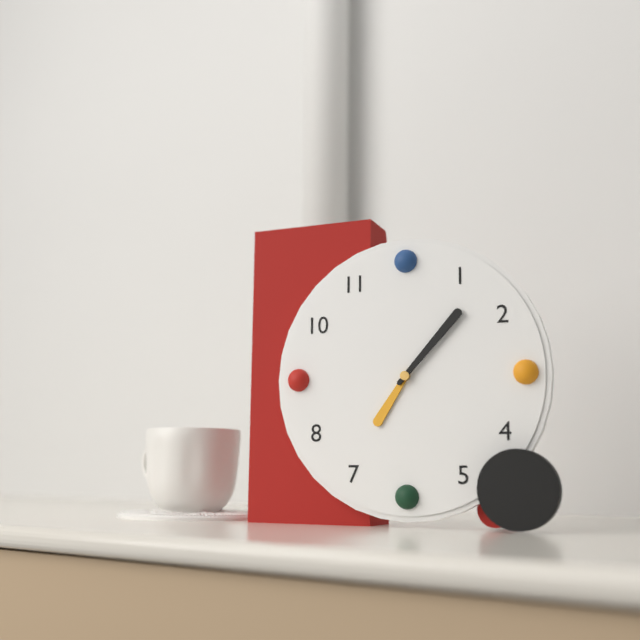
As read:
7:07
